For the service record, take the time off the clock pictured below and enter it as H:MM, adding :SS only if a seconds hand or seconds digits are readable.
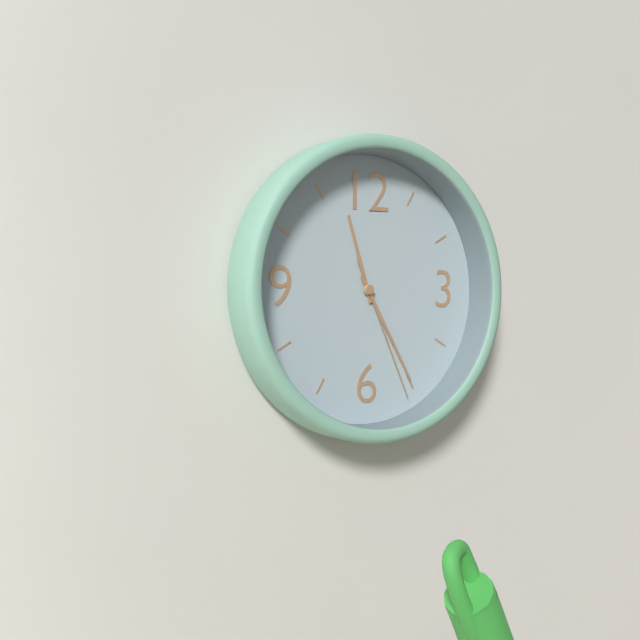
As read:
11:25:26
